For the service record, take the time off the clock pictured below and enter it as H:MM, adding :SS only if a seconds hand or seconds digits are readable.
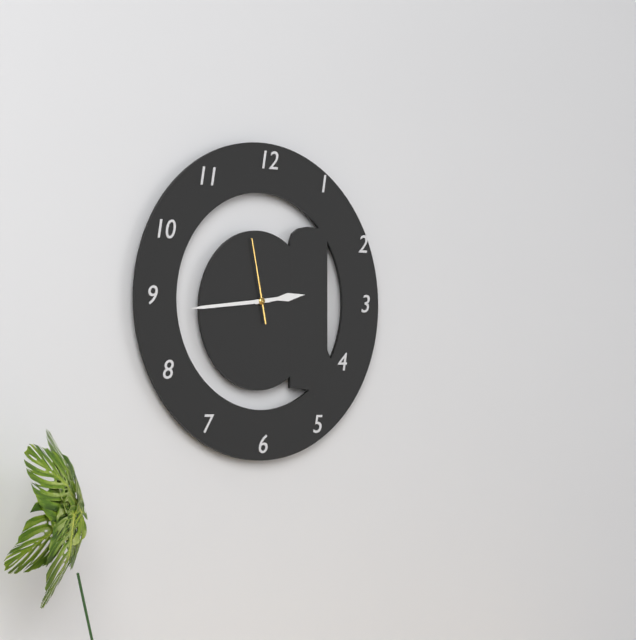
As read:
2:44:58
